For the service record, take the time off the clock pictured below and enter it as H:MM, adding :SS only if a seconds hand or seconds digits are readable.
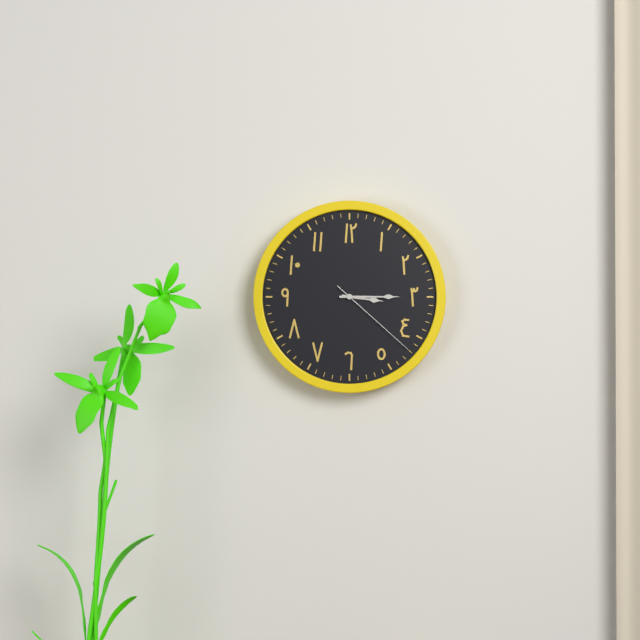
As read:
3:15:22
